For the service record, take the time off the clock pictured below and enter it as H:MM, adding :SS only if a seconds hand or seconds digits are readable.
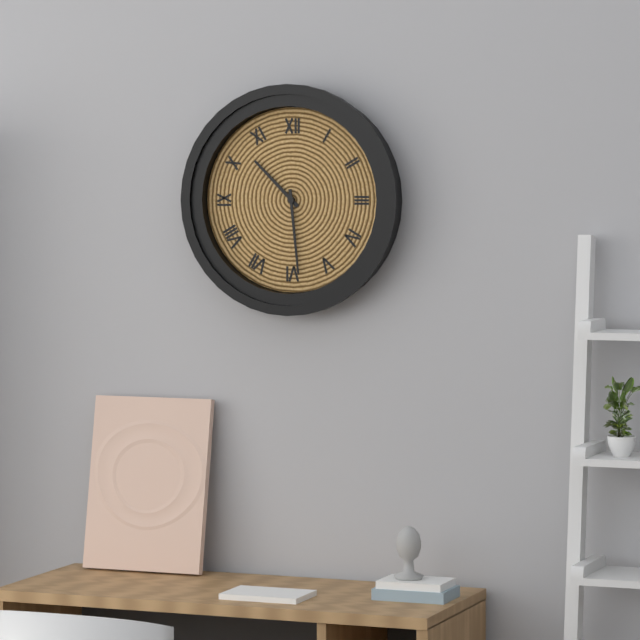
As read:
10:29
